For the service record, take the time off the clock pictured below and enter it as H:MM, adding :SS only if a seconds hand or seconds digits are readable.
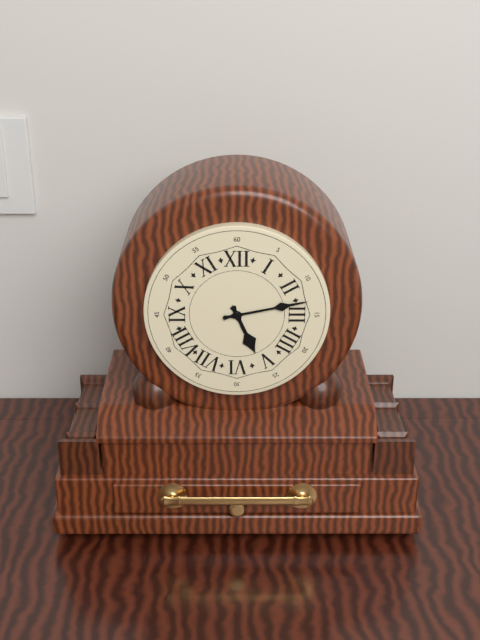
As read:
5:13
